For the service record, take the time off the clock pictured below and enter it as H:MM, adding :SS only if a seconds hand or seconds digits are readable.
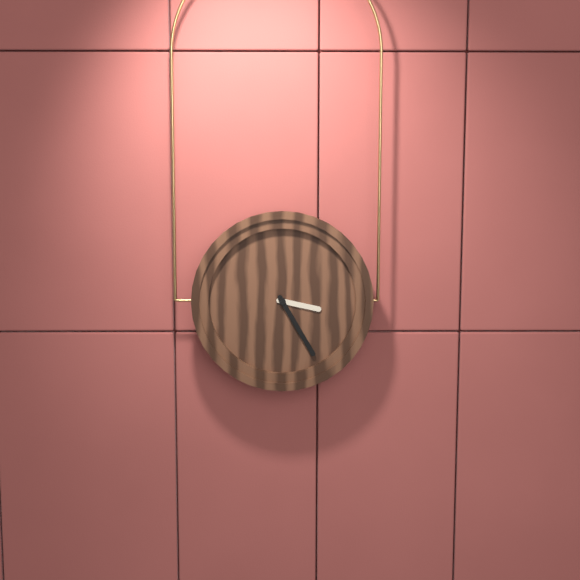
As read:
3:25
